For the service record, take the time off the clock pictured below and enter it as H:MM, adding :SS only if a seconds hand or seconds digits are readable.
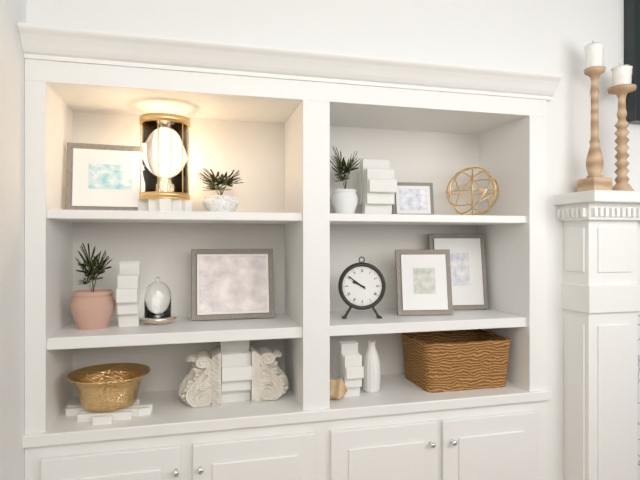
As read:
9:51
